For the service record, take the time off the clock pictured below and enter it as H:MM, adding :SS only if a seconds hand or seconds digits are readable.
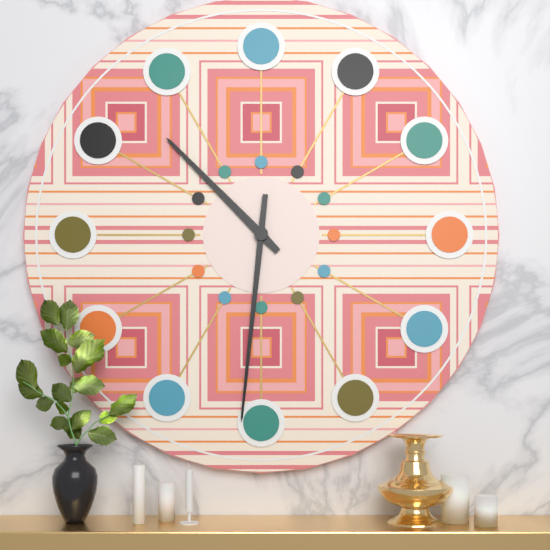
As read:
10:31
